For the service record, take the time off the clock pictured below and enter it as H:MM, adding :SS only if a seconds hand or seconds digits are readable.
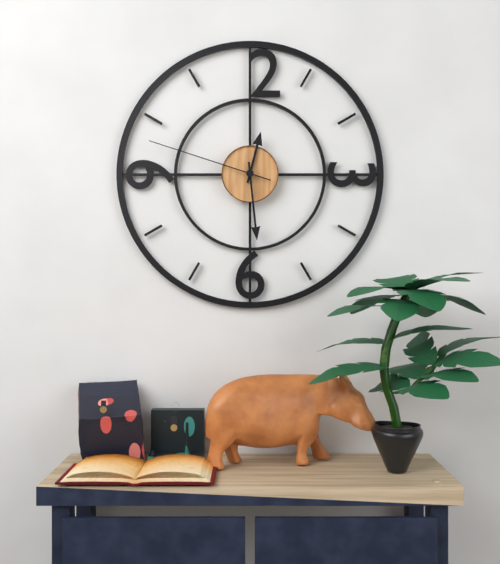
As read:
12:29:48
